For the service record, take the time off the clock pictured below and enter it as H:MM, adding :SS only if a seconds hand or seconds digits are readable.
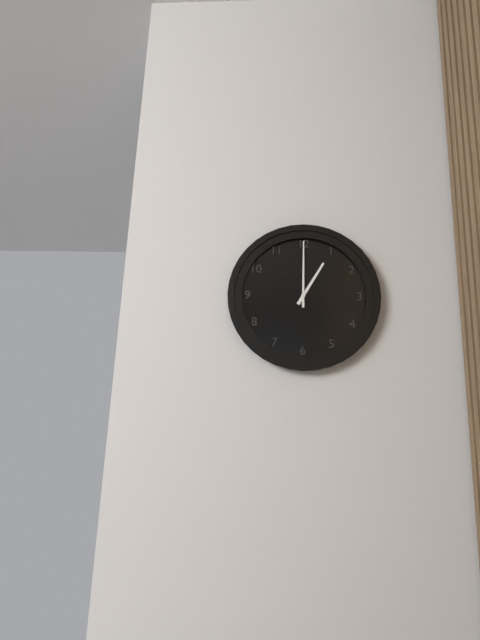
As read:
1:00
